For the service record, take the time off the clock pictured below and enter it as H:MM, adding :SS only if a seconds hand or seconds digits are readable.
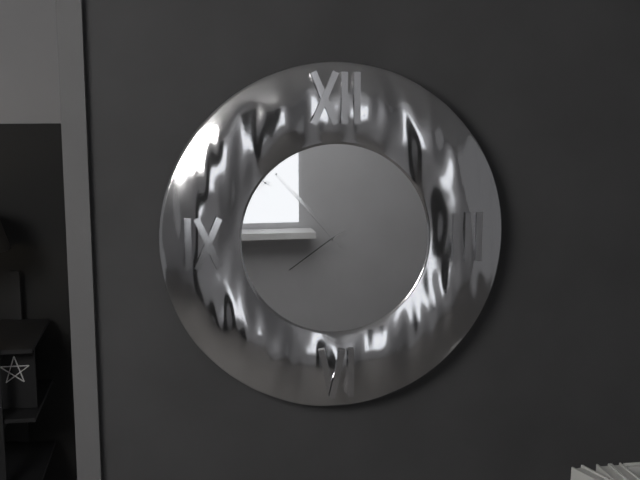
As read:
7:53
